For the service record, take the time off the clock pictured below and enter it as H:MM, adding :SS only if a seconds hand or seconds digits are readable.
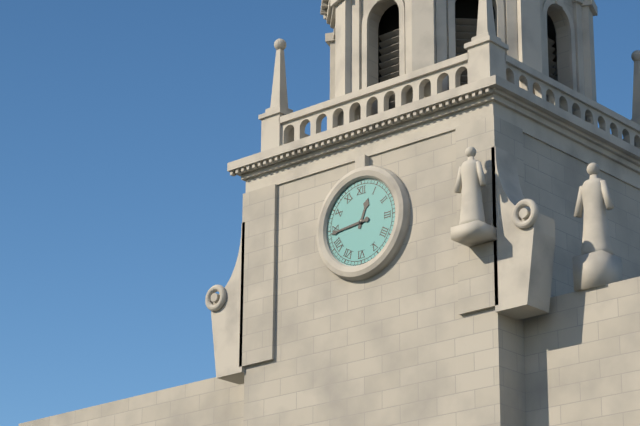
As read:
12:44
